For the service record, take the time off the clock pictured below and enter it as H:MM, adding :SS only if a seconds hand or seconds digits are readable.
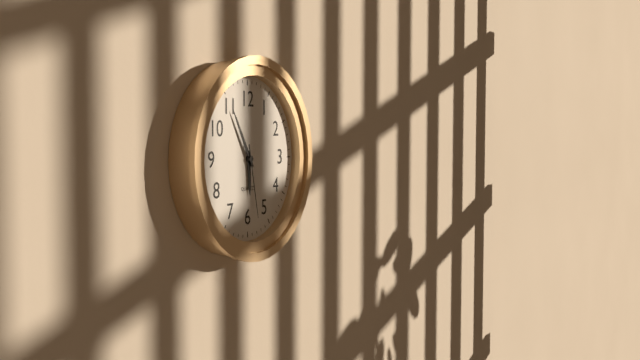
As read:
5:55:28
